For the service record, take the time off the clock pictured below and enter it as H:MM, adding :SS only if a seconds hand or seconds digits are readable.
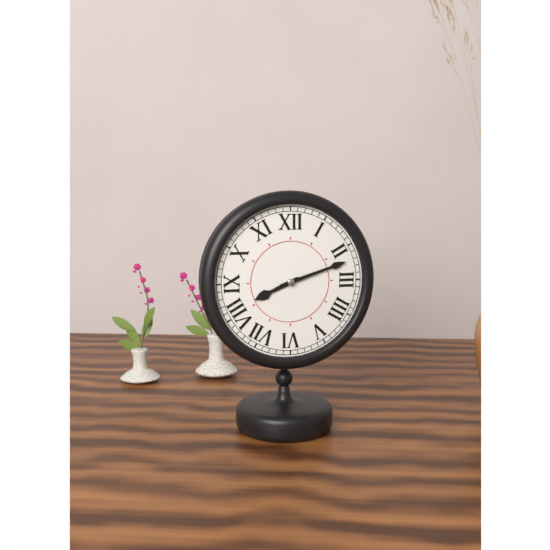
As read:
8:12
